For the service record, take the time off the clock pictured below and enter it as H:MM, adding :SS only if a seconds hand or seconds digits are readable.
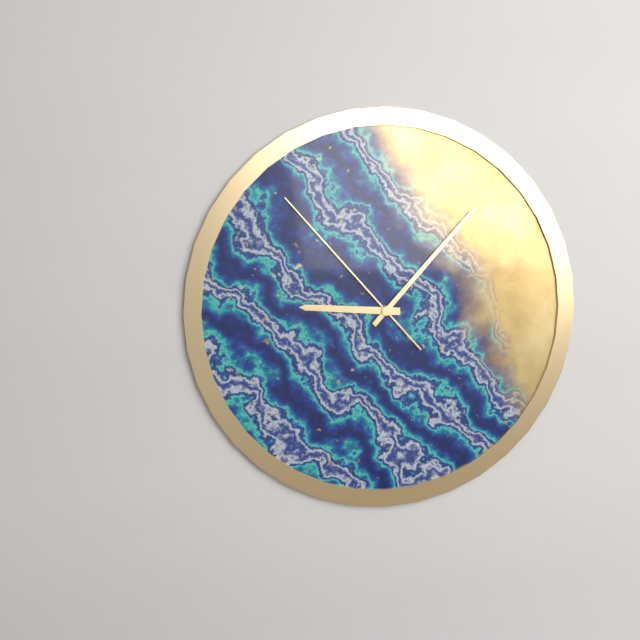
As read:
9:07:53
